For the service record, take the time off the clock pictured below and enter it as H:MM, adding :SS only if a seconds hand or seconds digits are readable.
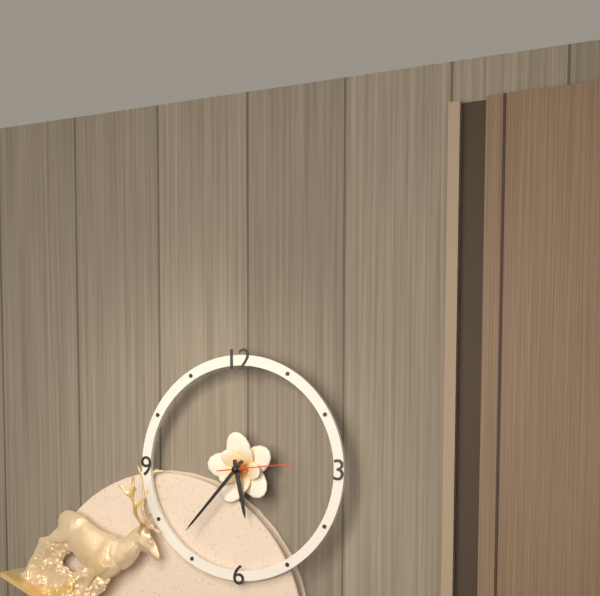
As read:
5:37:14
